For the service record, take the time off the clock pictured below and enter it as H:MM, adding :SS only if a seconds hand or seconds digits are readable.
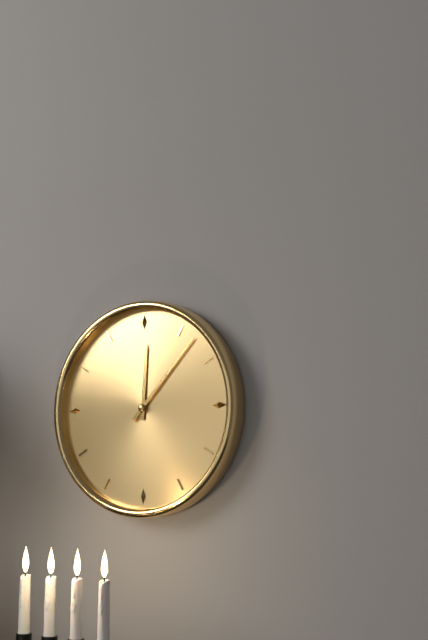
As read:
12:07
